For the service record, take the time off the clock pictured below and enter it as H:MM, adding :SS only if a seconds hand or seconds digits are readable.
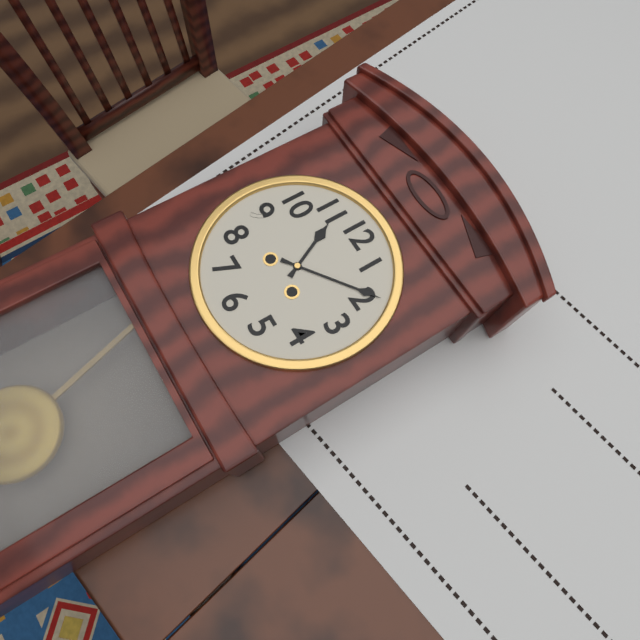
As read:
11:09
